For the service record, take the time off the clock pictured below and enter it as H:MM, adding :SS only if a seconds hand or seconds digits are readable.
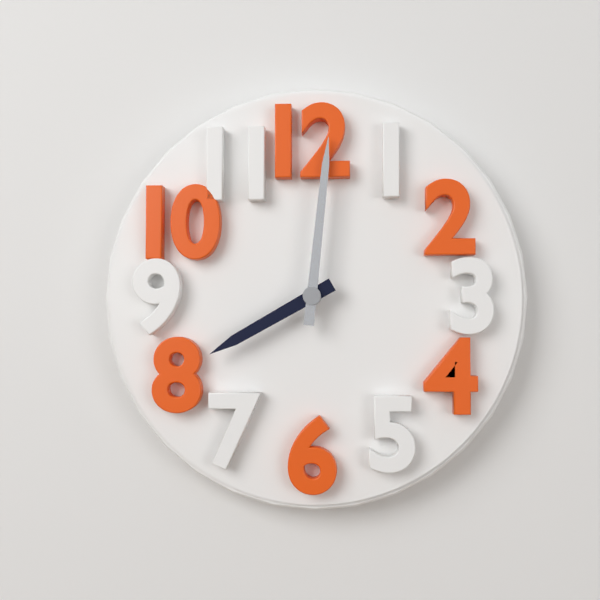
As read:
8:01
